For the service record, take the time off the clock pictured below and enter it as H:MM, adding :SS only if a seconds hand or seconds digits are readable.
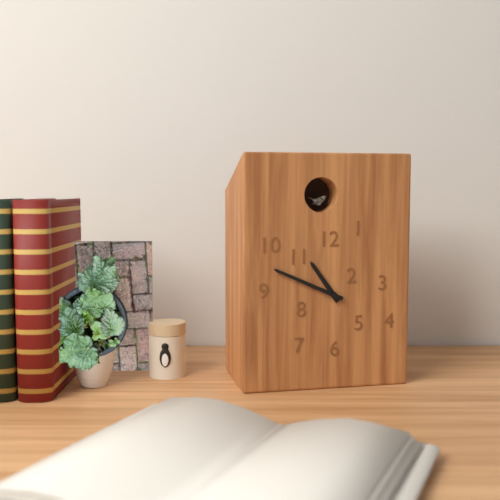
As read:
10:49
